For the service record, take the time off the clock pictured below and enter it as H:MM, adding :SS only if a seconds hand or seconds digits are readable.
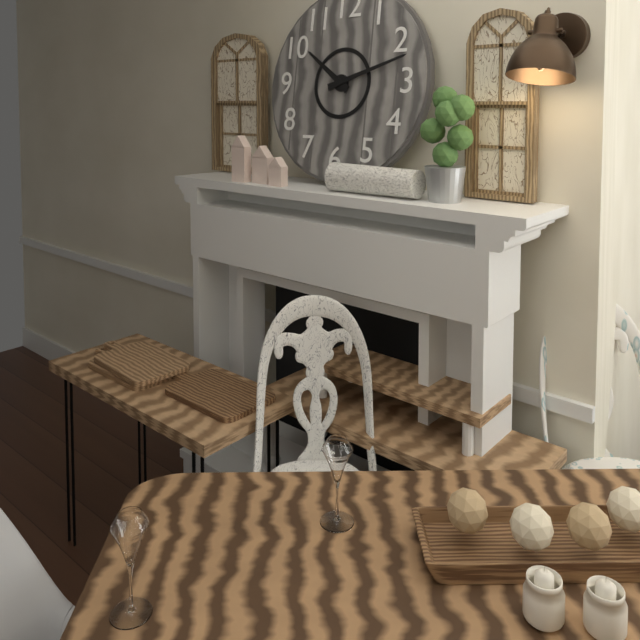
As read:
10:12
